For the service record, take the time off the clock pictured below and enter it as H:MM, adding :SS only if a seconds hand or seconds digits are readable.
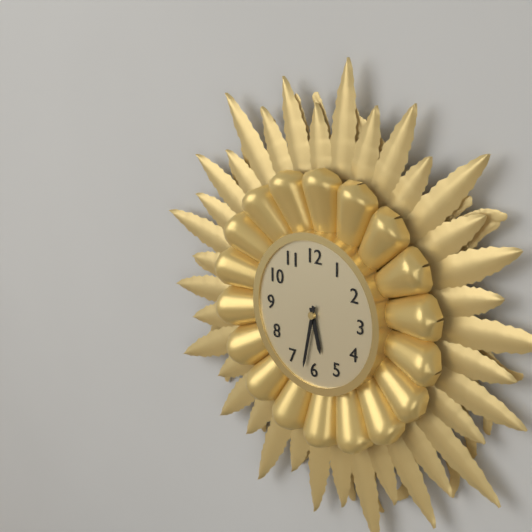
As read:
5:32
